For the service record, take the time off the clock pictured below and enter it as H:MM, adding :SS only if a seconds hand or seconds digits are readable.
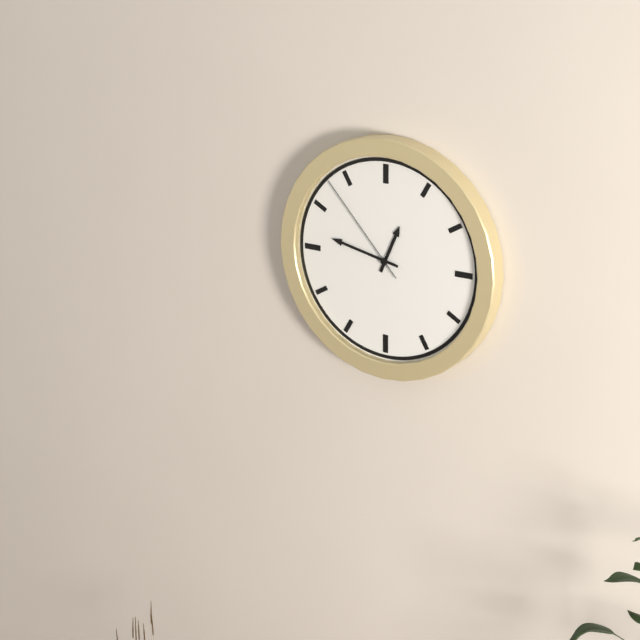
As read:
12:47:53
